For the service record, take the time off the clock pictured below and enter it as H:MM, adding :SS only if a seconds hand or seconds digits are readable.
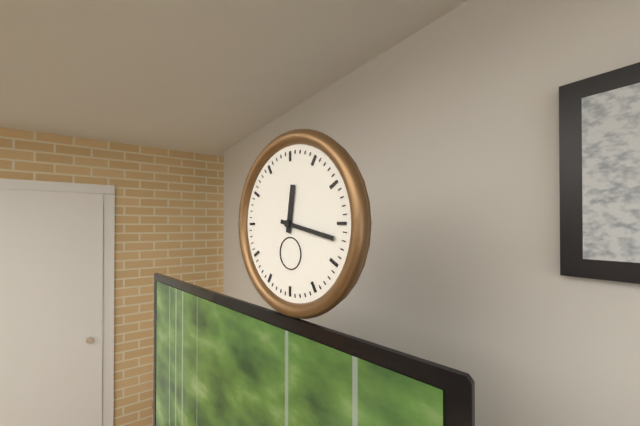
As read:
12:17
